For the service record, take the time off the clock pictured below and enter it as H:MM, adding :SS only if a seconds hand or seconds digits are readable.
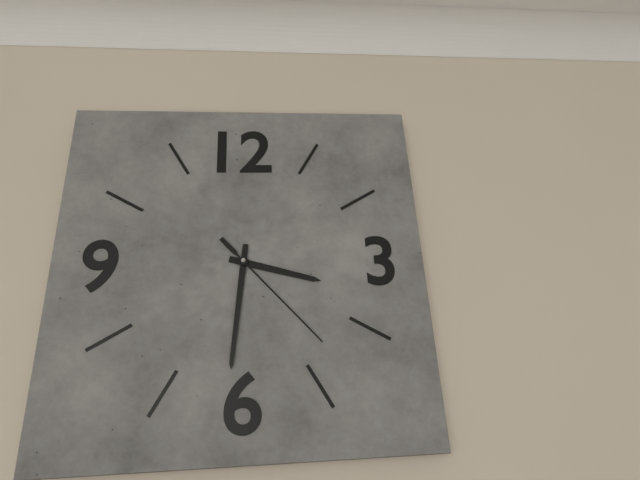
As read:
3:31:23
